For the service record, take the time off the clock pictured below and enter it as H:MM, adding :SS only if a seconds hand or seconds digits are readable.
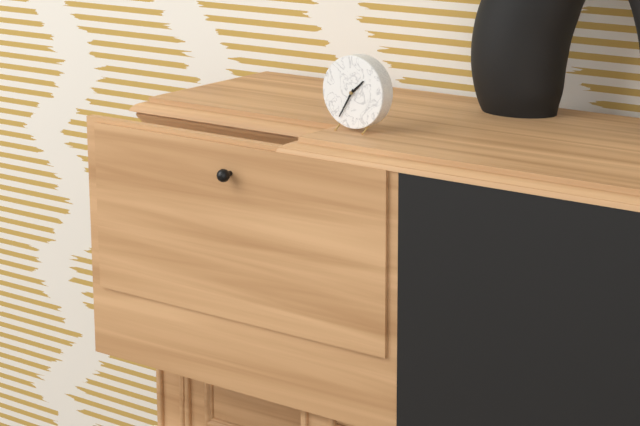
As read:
1:35
